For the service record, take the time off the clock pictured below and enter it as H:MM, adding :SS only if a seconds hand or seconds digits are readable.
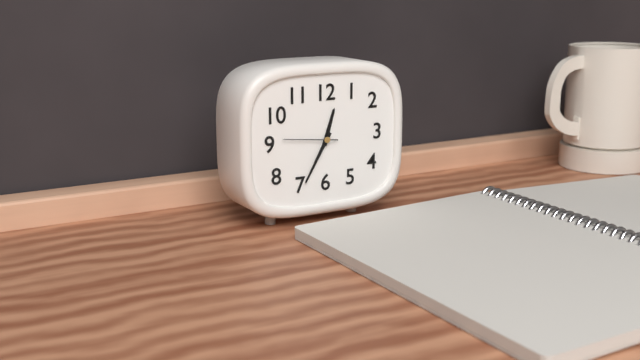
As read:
12:35:46
